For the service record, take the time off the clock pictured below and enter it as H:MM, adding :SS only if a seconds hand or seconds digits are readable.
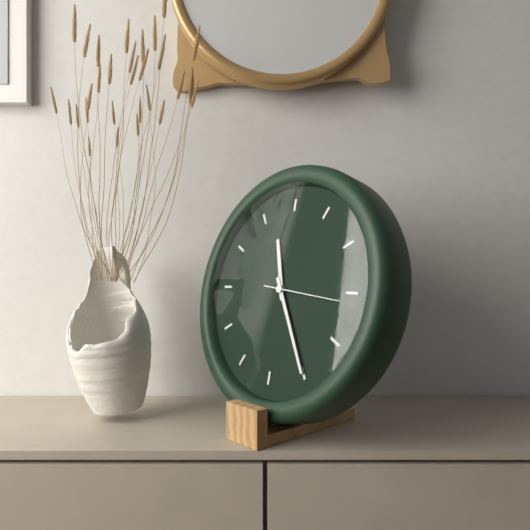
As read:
11:25:16
